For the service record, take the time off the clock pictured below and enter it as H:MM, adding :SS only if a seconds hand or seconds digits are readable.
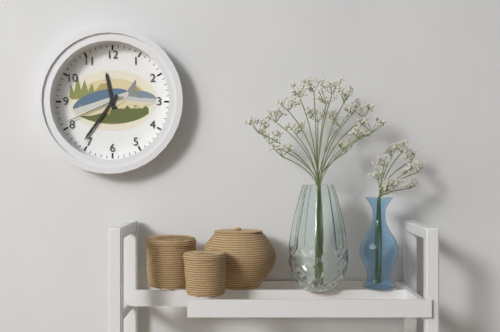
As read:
11:36:41
